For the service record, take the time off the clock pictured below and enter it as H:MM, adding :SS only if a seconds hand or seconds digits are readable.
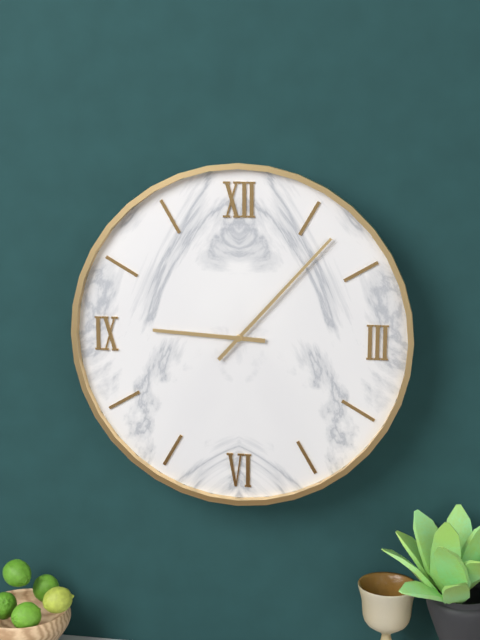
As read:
9:07
